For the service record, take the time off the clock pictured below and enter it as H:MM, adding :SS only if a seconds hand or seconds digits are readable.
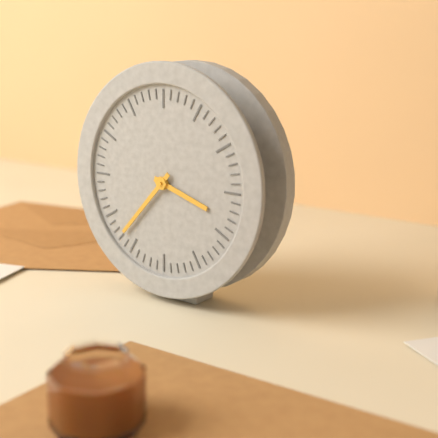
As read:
3:37
